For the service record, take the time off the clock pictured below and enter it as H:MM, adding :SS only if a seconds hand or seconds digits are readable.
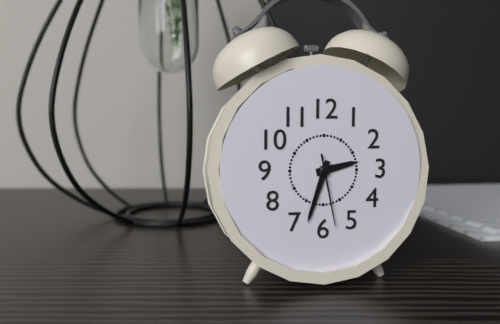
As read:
2:33:28
